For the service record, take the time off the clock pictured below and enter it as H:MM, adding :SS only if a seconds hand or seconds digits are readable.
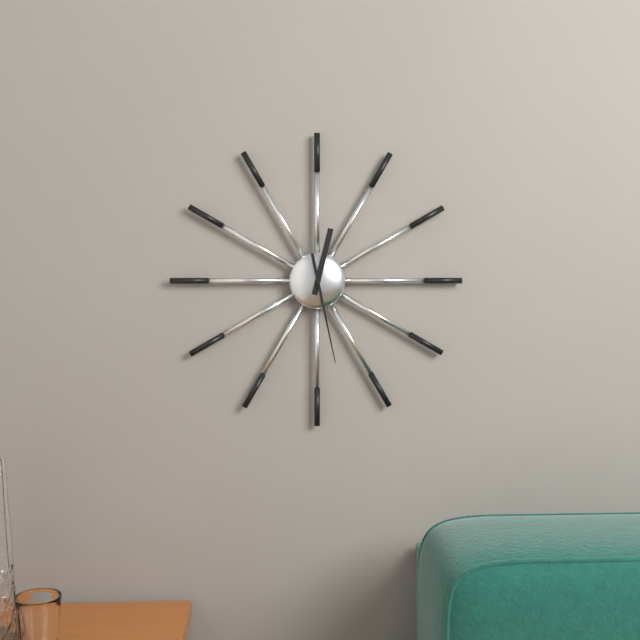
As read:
12:28
